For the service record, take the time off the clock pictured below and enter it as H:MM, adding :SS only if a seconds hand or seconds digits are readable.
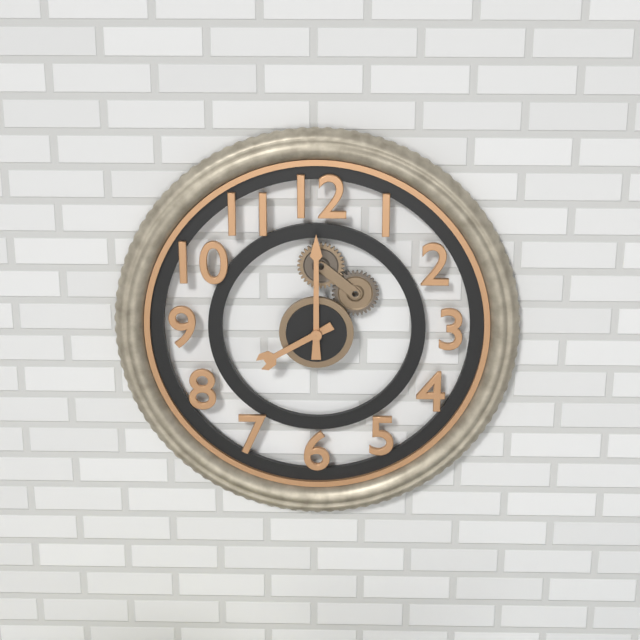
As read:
8:00
